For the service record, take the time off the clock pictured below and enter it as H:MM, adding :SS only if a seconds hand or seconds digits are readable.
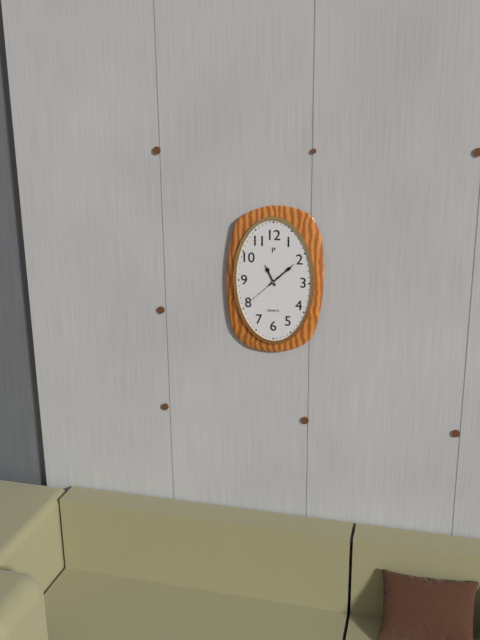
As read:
11:08
